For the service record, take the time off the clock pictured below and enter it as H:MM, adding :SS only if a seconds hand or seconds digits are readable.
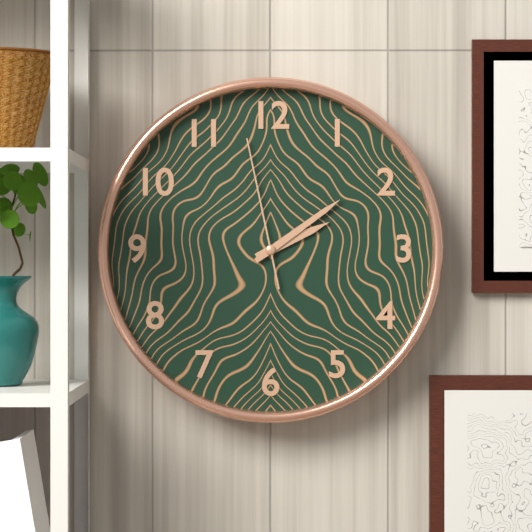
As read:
2:09:58
